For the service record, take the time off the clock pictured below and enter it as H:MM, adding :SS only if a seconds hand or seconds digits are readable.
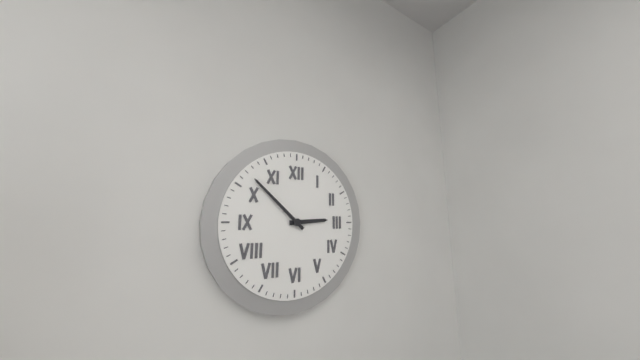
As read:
2:52
